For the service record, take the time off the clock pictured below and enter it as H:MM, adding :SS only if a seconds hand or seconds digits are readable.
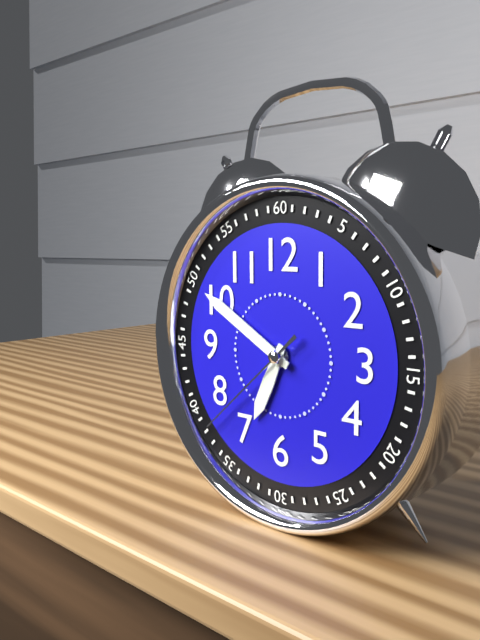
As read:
6:50:38
